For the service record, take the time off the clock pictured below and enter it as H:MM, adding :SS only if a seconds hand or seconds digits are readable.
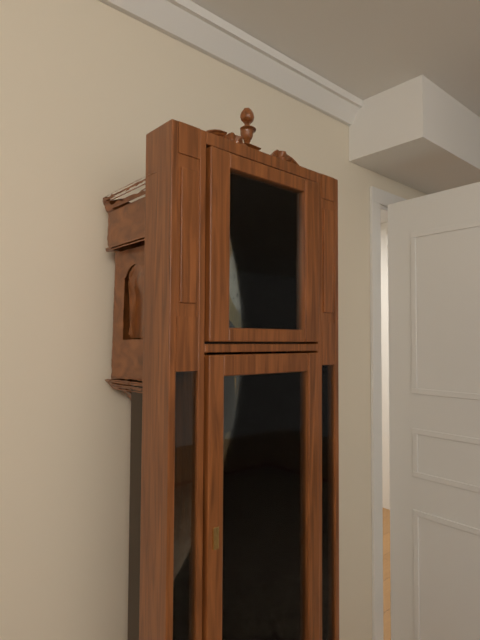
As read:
2:55
